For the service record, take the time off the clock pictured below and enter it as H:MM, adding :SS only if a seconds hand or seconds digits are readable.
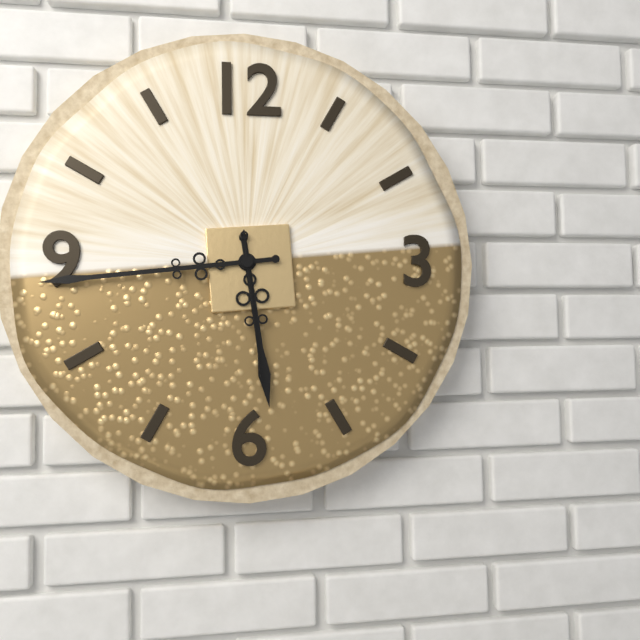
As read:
5:44:29
